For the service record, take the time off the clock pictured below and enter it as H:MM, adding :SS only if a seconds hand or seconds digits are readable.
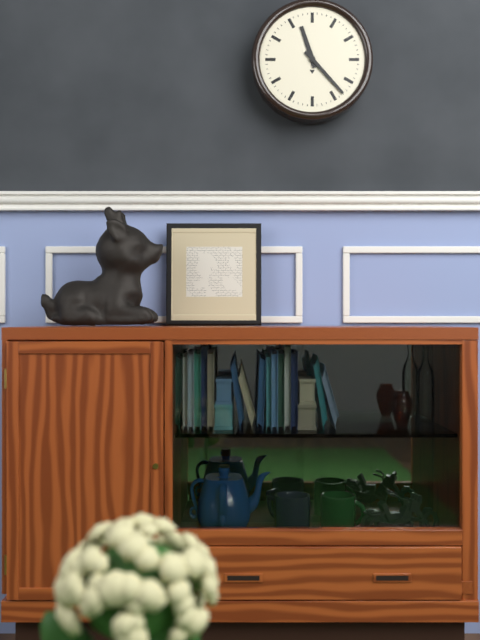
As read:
11:23
